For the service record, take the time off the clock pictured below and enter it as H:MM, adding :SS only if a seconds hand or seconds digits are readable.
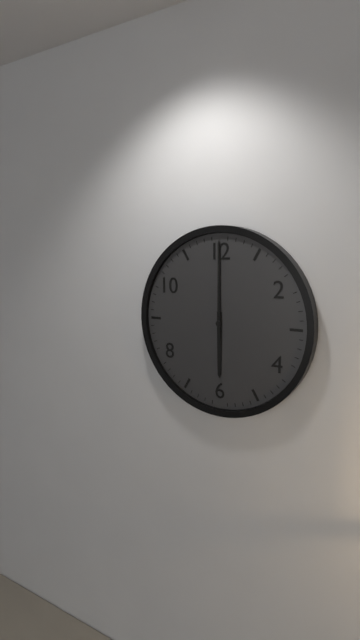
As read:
6:00
